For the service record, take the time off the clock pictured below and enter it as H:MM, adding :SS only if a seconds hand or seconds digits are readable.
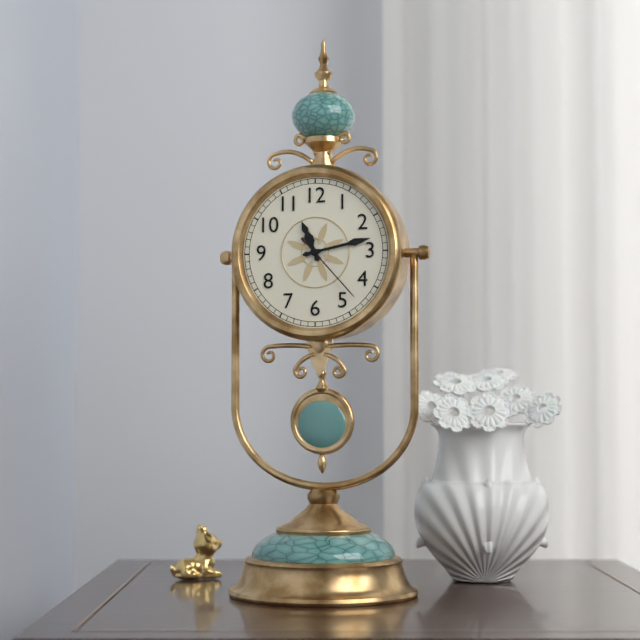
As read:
11:13:23
